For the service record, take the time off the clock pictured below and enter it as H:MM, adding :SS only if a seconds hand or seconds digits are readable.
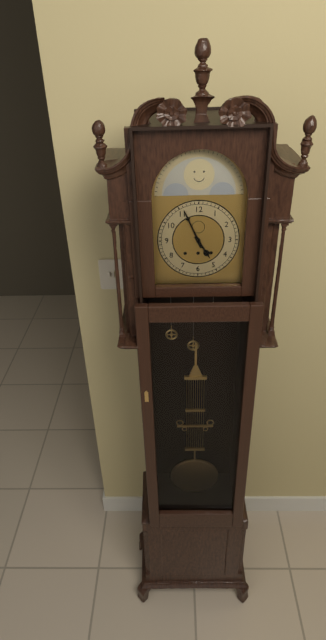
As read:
4:56
